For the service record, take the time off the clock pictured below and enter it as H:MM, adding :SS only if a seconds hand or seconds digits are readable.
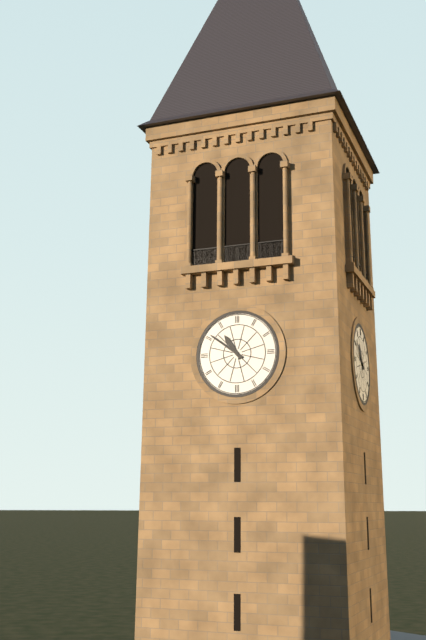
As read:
10:51
